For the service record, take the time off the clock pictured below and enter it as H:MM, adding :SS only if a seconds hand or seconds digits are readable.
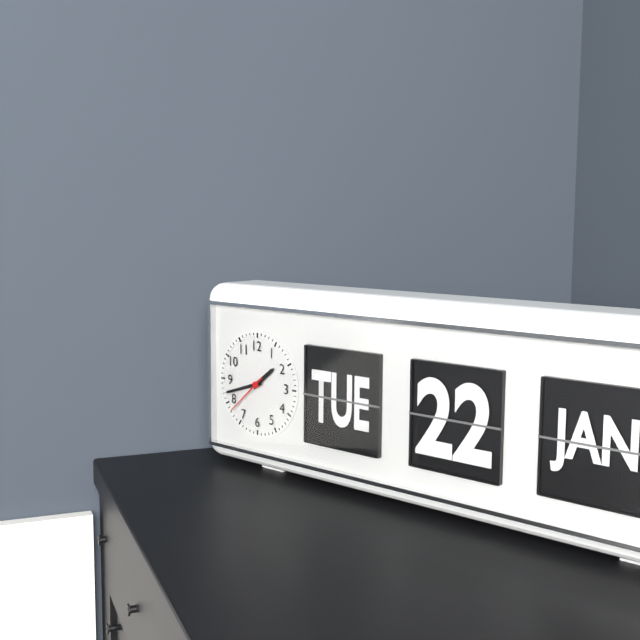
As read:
1:42:38
